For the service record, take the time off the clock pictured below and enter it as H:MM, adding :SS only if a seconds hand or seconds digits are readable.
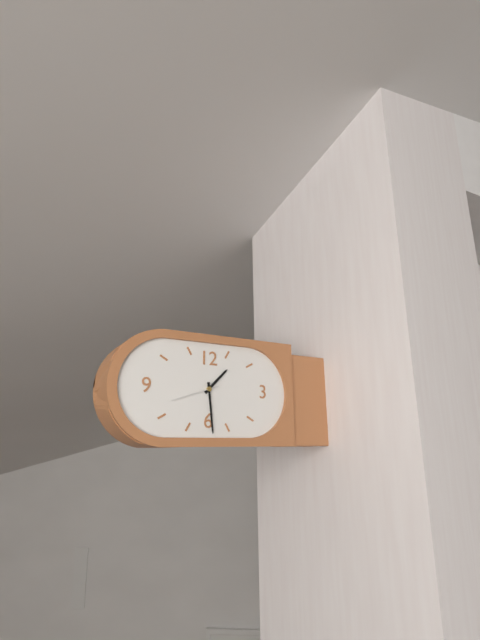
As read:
1:29
